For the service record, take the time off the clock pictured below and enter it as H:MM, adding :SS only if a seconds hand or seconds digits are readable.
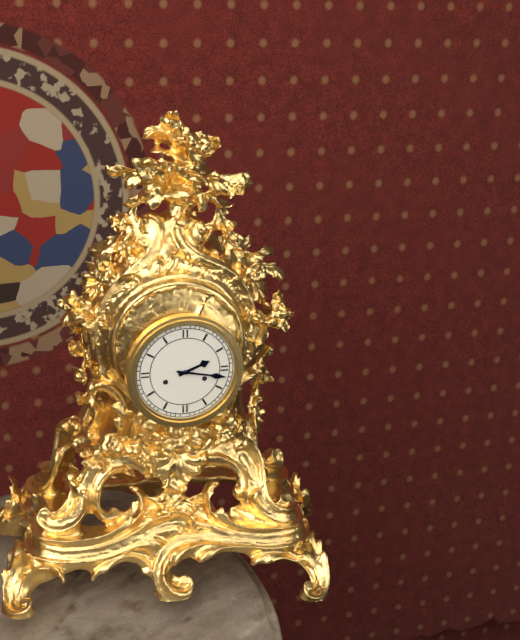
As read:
2:17
